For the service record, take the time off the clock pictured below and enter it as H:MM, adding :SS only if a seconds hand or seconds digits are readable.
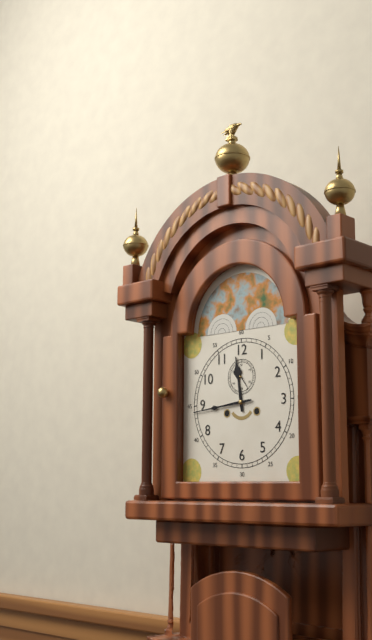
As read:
11:44
